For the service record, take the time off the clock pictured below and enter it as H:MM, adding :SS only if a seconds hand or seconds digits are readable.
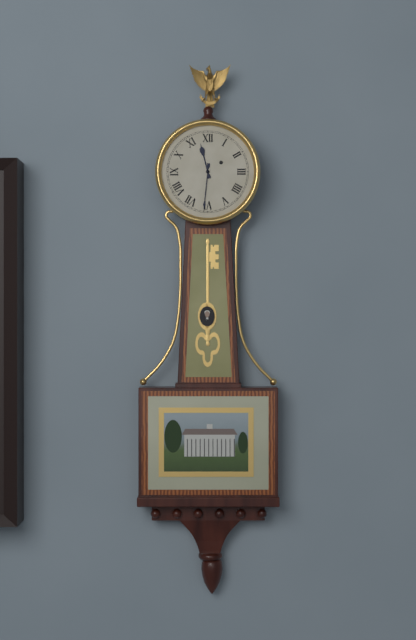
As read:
11:31
